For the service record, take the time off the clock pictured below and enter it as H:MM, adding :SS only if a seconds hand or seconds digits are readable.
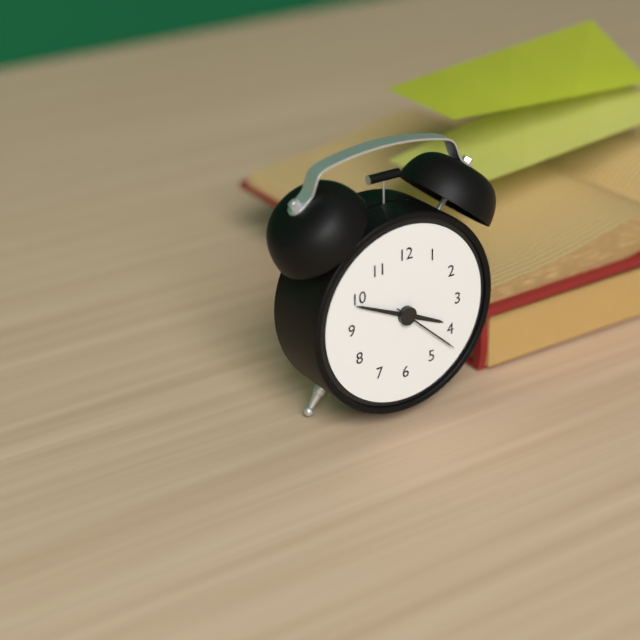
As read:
3:49:22
